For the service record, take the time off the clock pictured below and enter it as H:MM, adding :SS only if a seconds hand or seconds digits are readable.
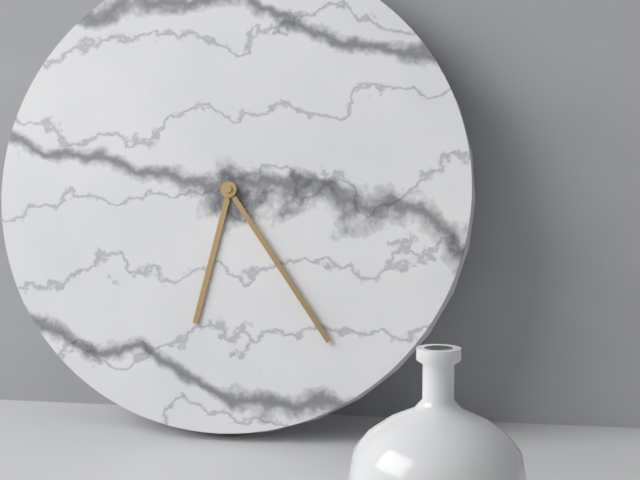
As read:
6:24
